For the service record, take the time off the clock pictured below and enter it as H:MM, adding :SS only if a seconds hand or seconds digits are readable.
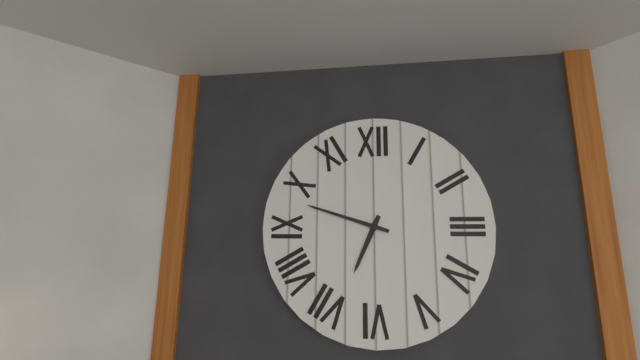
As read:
6:48
